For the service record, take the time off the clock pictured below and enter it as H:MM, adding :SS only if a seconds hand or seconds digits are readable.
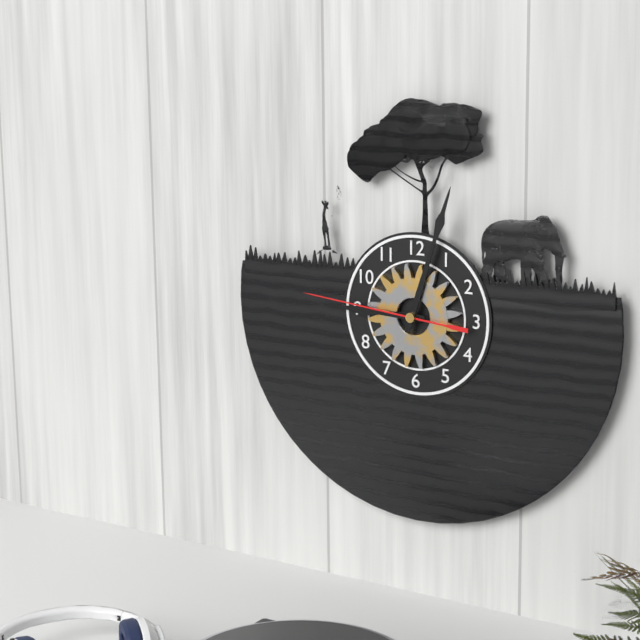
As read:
9:03:46
